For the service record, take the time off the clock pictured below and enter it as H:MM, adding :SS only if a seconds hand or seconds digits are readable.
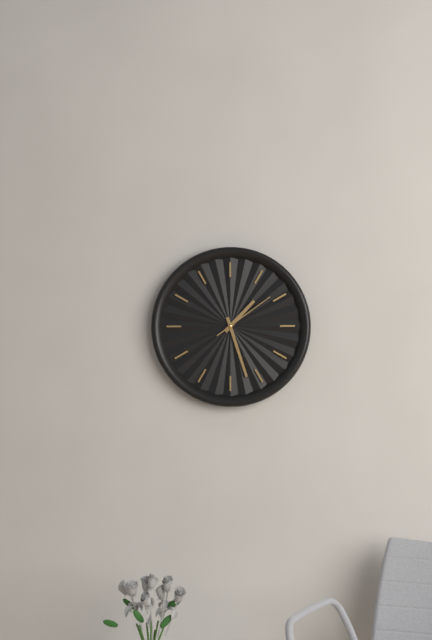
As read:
1:27:09
